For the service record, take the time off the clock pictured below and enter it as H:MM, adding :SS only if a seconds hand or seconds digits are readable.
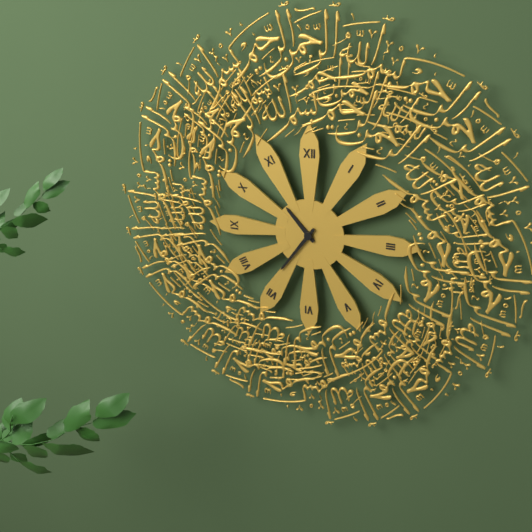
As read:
10:36
